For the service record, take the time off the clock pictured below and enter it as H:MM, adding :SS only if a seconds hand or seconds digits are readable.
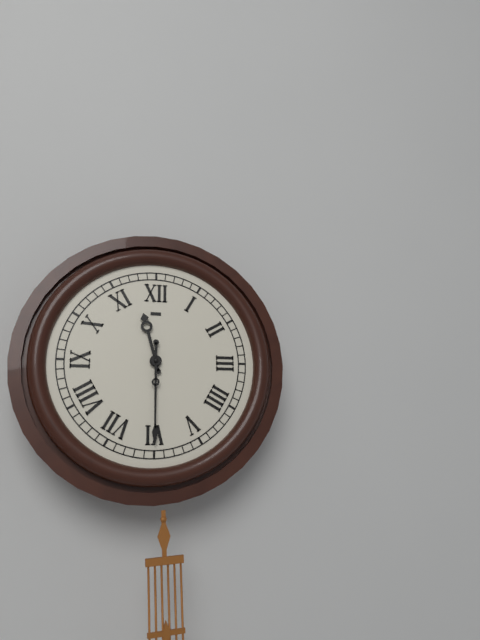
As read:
11:30
